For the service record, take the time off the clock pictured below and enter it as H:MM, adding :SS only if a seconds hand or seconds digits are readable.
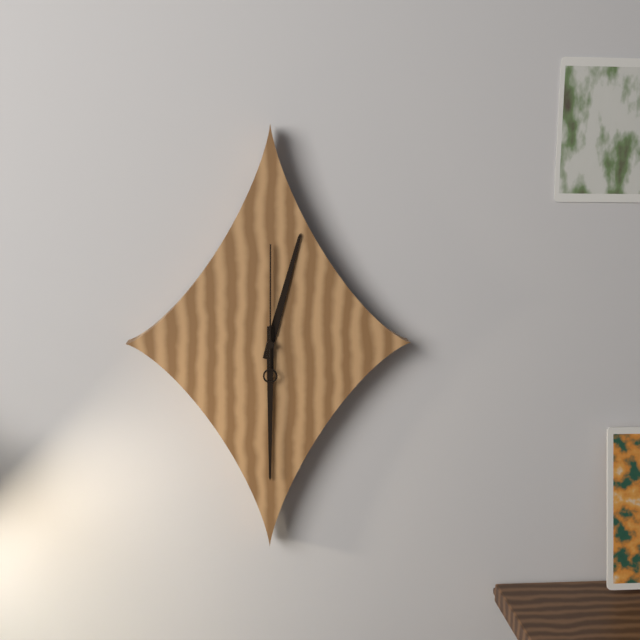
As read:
12:30:00
